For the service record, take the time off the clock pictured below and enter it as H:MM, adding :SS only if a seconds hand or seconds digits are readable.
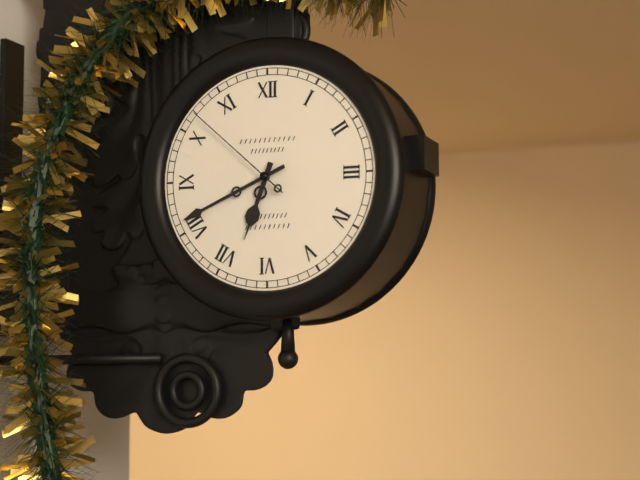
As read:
6:41:52
